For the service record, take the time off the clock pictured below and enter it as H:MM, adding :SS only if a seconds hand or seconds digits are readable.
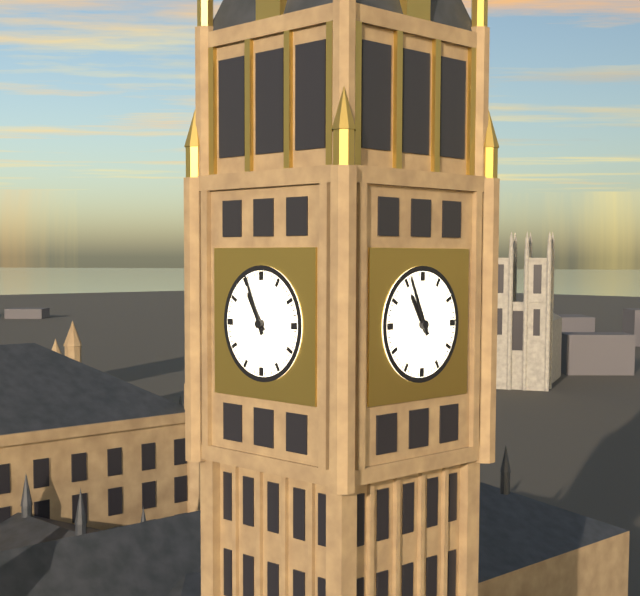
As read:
10:56
